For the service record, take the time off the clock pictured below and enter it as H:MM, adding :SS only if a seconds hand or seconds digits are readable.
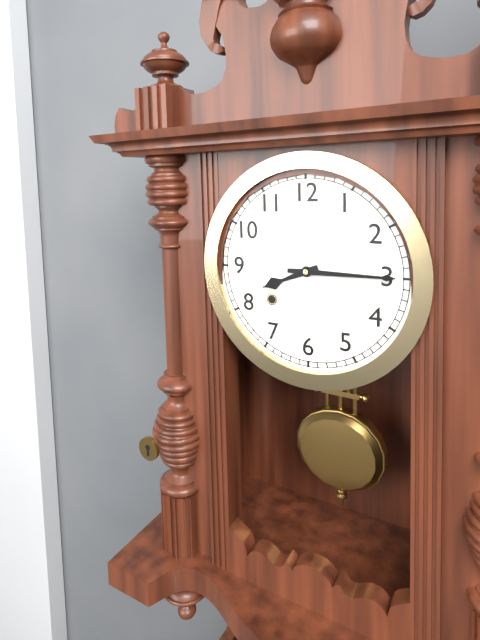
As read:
8:15
